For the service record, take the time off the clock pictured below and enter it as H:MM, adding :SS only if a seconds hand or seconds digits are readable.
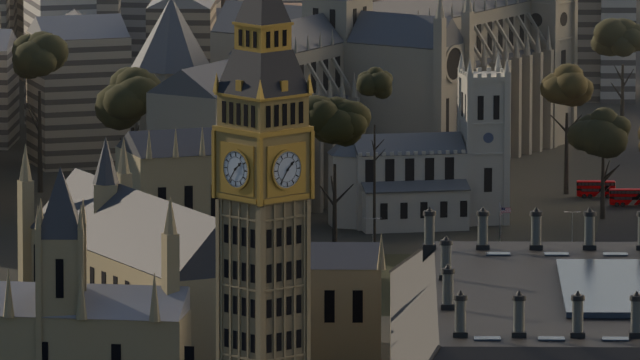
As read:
1:36
